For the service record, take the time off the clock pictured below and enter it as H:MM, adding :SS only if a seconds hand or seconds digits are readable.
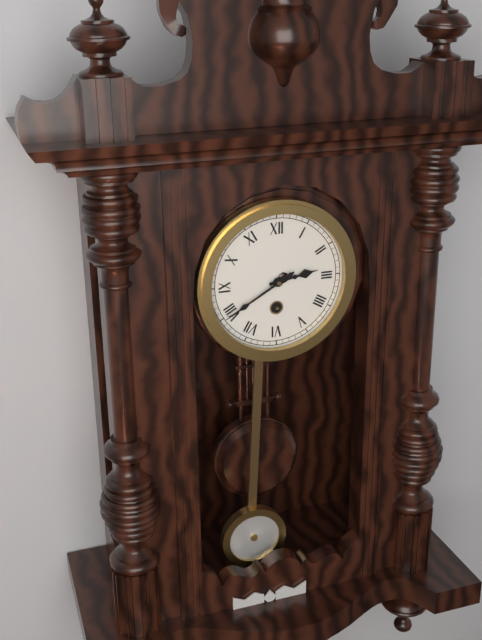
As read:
2:40
